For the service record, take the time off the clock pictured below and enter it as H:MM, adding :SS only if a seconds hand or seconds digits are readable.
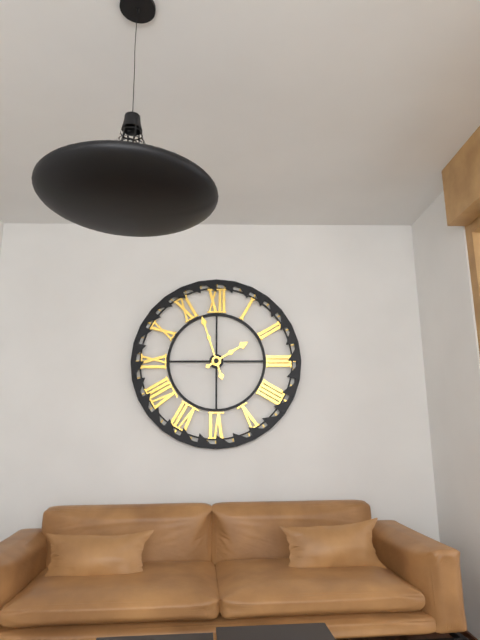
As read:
1:57
